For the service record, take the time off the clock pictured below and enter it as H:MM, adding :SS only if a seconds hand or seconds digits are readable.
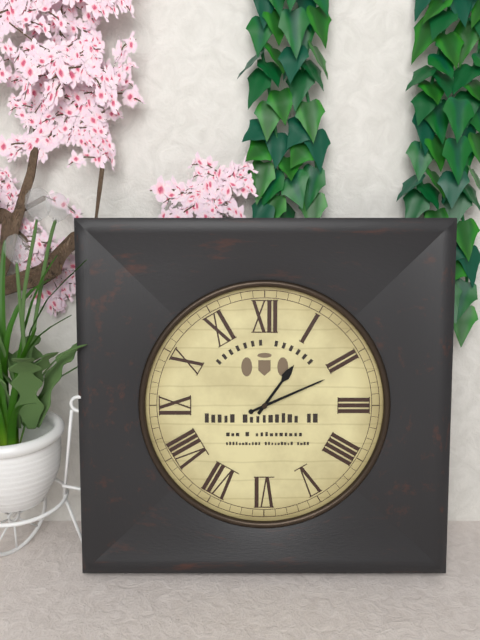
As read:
1:11
